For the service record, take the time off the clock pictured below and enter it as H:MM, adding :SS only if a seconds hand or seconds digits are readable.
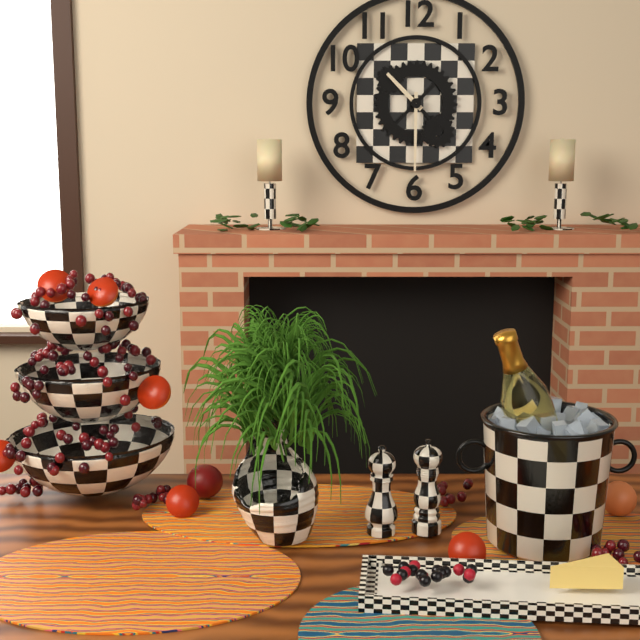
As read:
10:30
